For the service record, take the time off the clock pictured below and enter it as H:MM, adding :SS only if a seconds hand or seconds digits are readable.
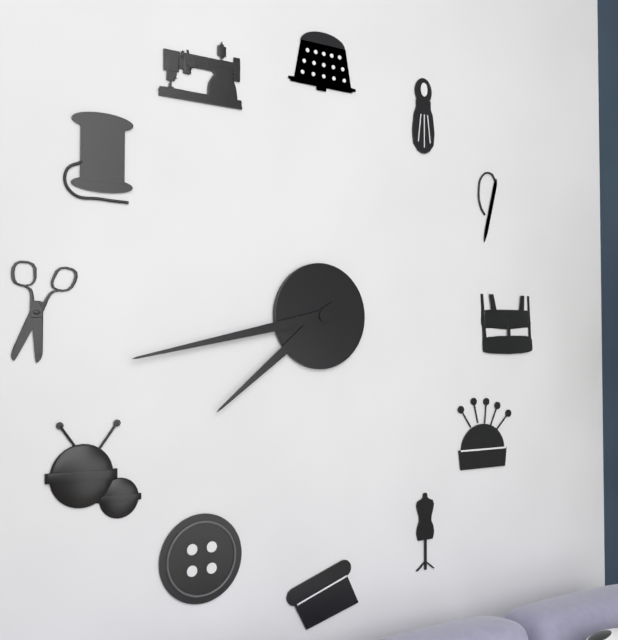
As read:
7:43
